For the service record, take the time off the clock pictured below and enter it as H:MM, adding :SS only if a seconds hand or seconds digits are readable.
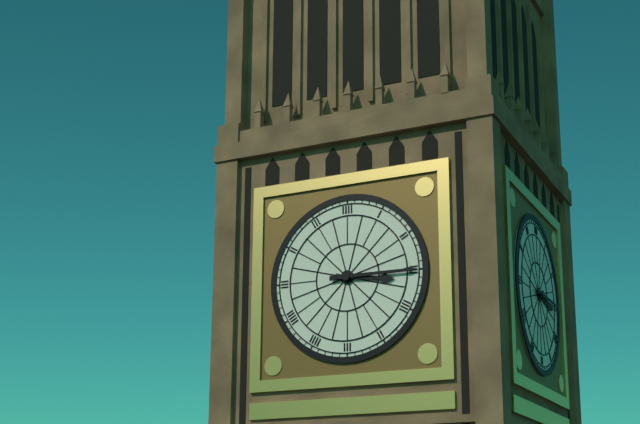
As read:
3:15
